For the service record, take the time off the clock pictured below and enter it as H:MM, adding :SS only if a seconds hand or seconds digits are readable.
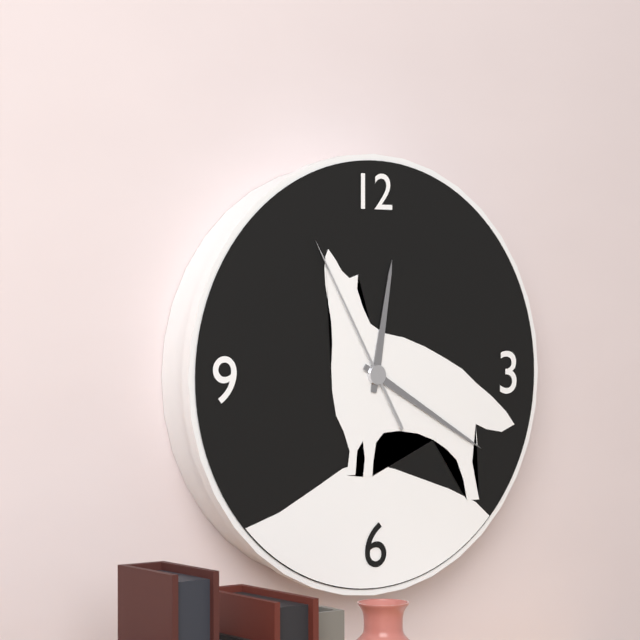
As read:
12:20:55
